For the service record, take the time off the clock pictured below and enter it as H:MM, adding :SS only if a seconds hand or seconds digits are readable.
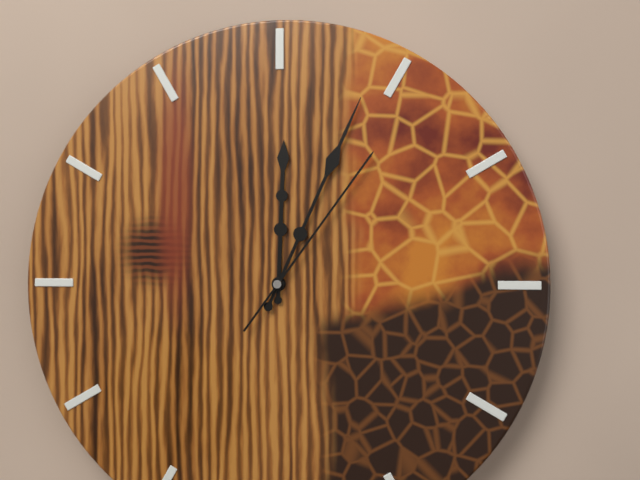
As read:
12:04:06
